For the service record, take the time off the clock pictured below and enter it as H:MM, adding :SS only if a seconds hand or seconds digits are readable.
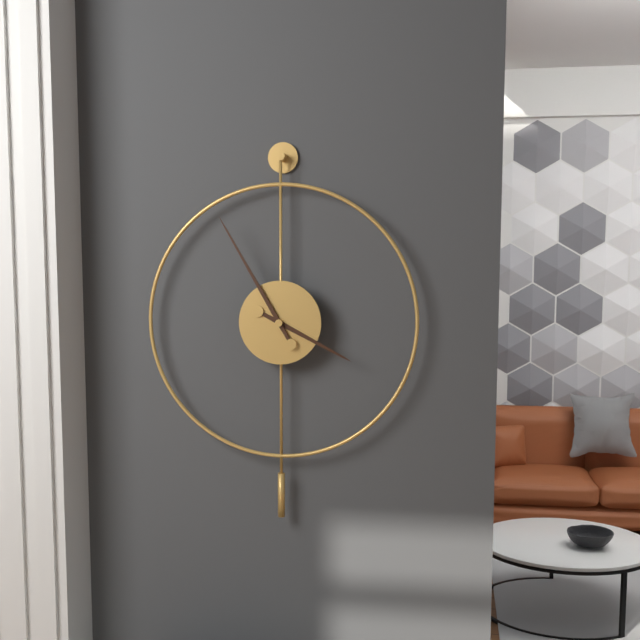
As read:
3:55
